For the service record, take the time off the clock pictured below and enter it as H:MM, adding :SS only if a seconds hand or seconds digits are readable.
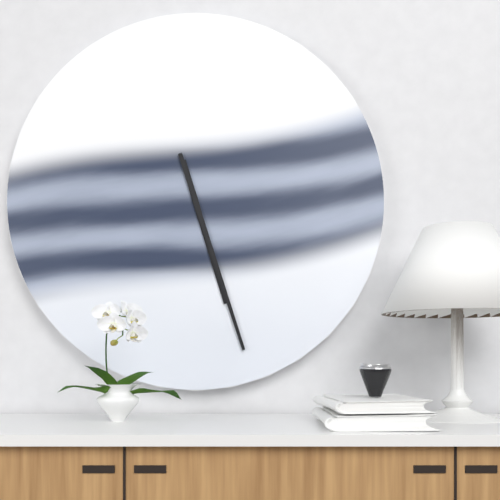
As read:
5:27
